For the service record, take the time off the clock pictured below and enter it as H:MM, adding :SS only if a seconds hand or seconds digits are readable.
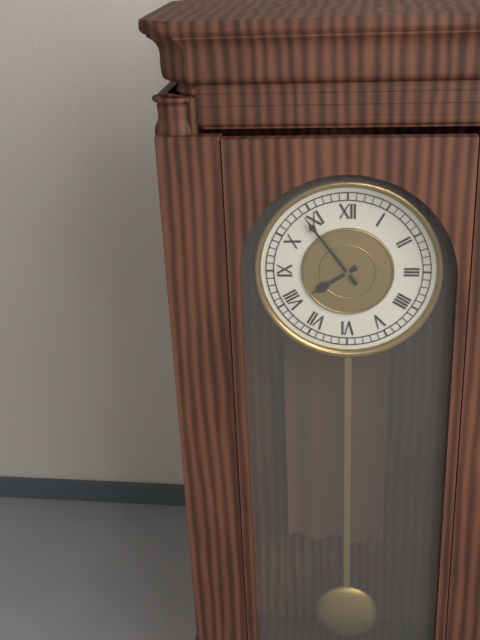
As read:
7:54
